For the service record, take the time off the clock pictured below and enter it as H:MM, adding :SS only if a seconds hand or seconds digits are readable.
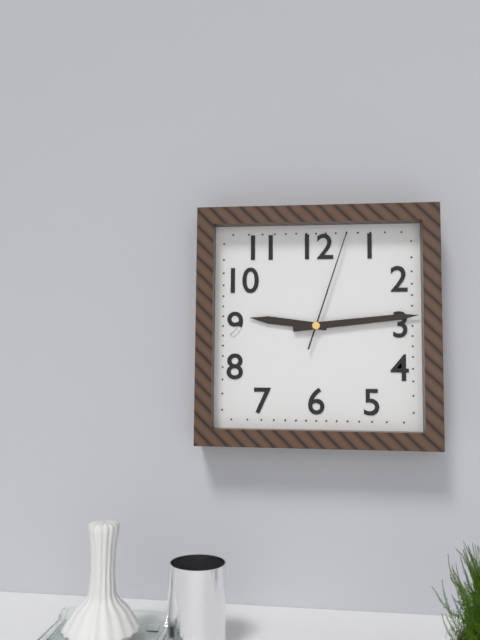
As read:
9:14:03
